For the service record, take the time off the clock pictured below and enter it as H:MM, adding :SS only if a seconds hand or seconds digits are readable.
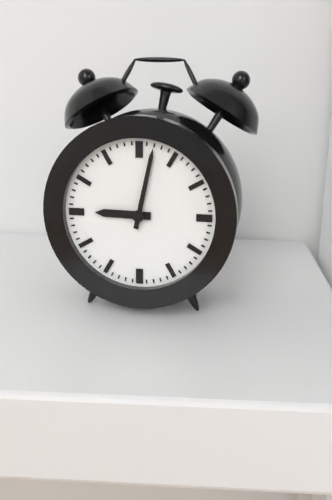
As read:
9:02
